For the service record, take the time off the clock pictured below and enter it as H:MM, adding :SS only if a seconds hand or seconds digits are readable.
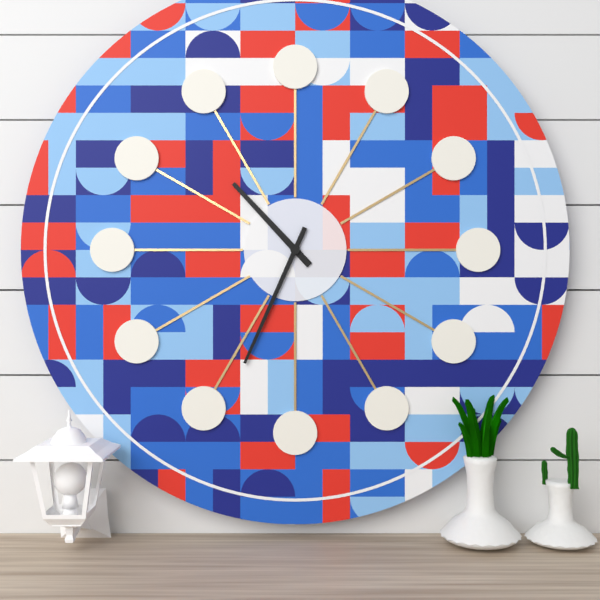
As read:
10:34
